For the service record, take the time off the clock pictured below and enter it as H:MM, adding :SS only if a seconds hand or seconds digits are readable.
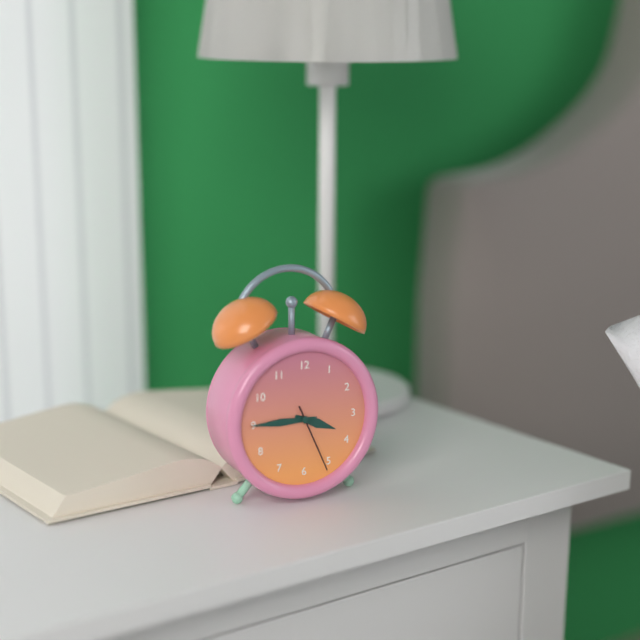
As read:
3:45:26
